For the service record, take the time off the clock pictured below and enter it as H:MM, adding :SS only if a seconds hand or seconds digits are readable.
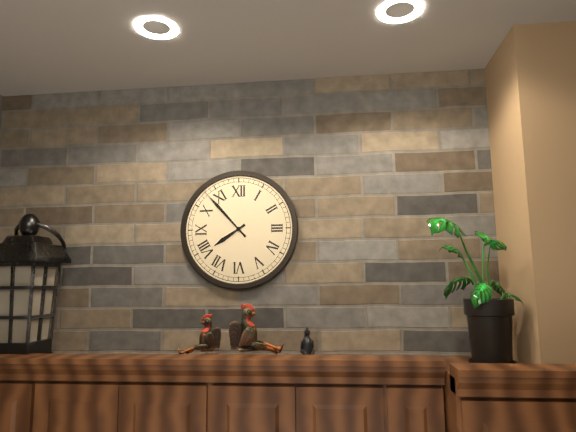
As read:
7:53
